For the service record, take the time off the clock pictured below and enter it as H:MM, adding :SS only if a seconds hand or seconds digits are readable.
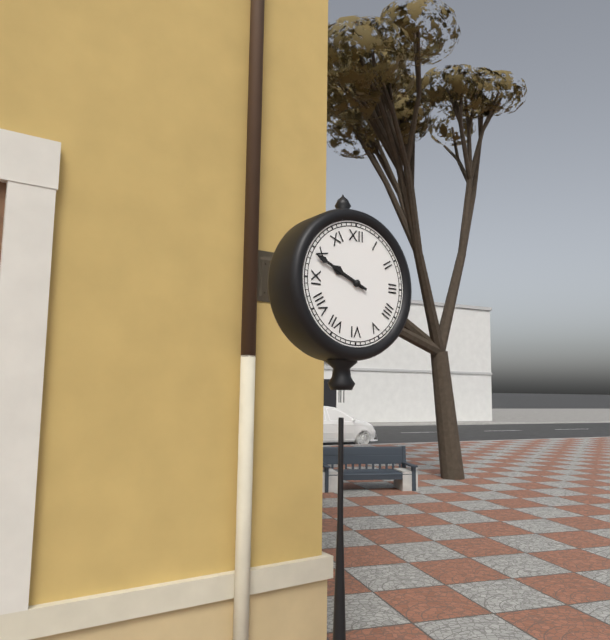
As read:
9:49
